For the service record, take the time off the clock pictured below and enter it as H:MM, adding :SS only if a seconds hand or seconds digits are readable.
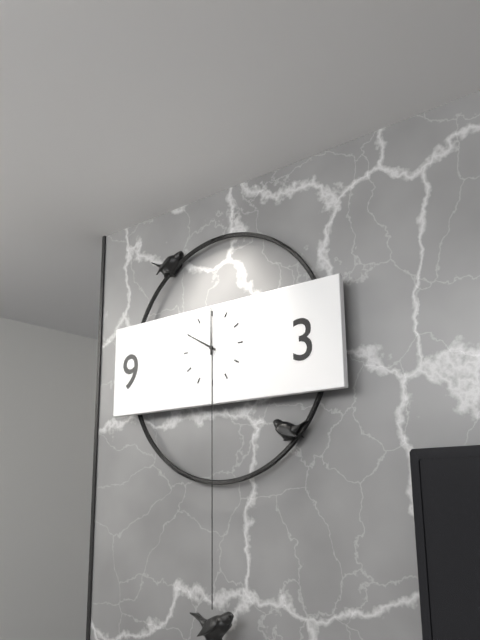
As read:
10:00
